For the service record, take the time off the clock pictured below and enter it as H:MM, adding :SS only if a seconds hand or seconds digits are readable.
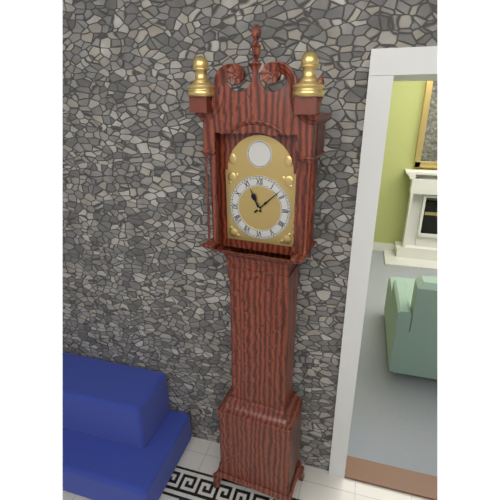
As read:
11:08
